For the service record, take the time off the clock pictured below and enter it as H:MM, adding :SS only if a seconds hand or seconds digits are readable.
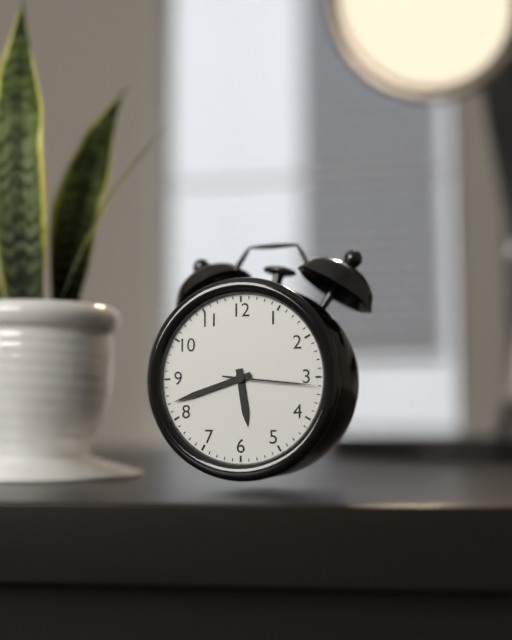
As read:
5:42:16
